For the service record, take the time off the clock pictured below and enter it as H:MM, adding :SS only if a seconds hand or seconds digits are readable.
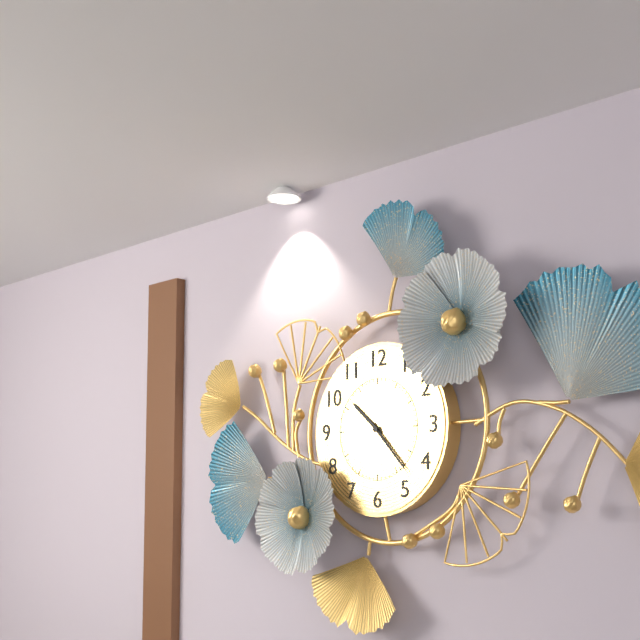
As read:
10:23
